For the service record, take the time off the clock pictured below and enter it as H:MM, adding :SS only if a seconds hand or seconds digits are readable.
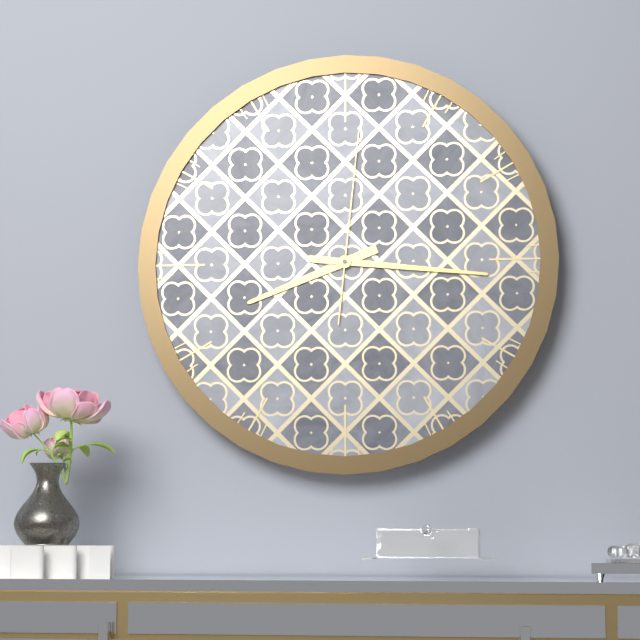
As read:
8:16:01
